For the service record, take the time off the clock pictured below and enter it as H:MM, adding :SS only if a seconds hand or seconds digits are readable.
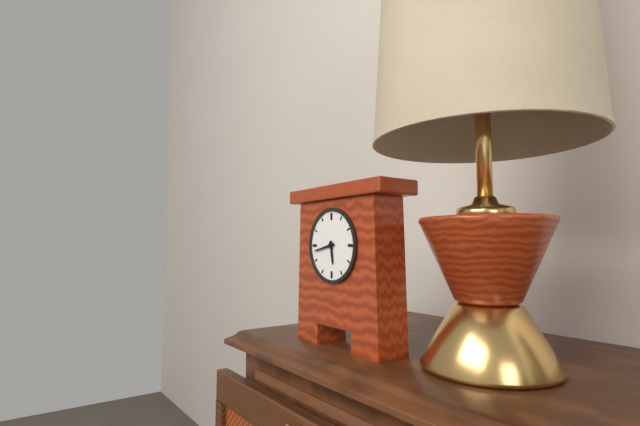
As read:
5:43
